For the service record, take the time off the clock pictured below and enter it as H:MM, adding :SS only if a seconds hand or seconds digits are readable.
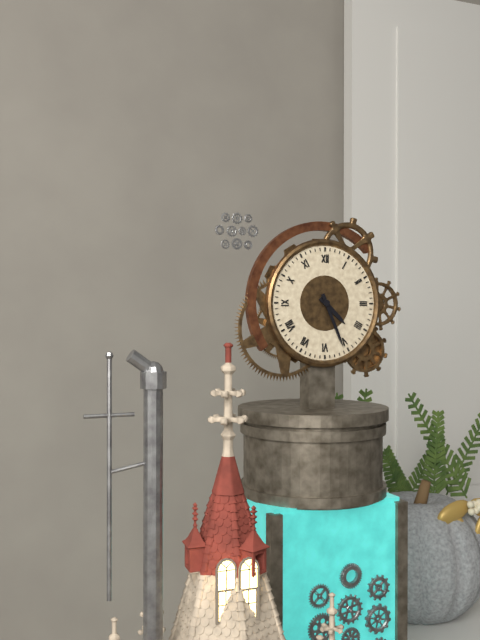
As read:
4:26
